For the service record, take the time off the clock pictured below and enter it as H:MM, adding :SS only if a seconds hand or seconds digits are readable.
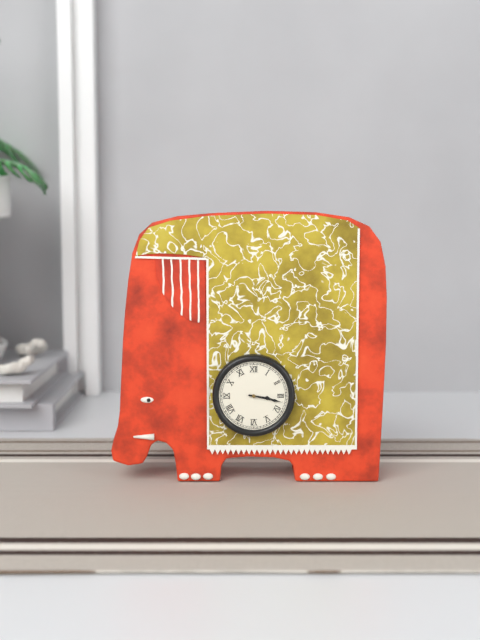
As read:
3:17
